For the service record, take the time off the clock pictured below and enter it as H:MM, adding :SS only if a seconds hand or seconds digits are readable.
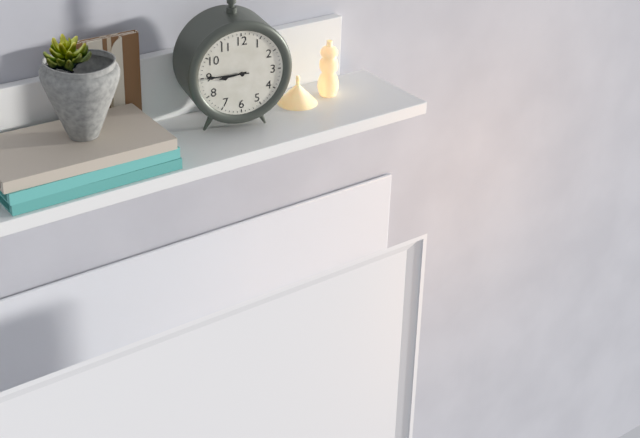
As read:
8:45
